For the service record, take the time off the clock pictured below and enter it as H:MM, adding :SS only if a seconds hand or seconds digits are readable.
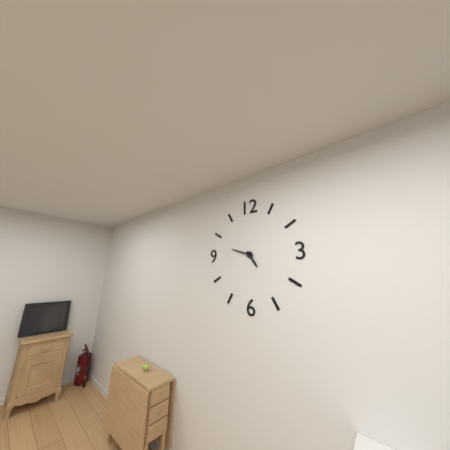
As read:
4:48
